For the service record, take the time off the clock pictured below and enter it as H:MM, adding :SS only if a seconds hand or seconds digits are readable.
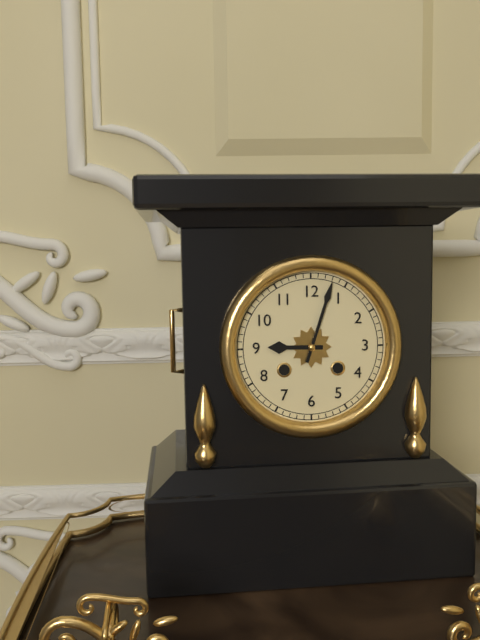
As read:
9:03
